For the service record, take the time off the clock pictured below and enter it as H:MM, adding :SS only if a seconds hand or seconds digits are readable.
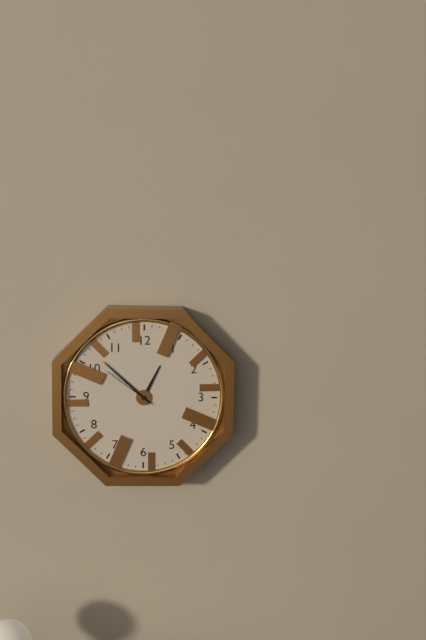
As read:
12:52:51
